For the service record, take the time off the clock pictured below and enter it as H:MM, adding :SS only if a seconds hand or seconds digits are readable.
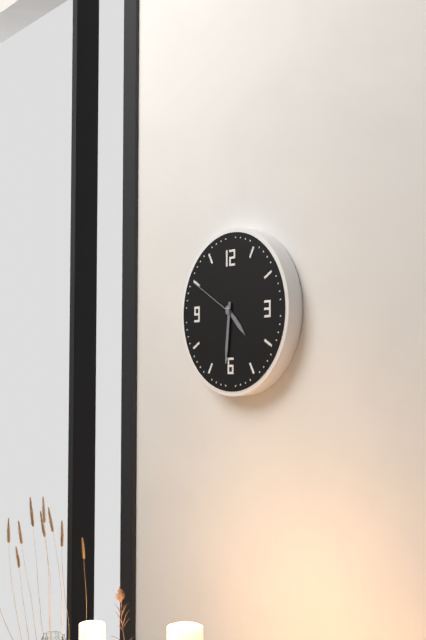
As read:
4:31:50
